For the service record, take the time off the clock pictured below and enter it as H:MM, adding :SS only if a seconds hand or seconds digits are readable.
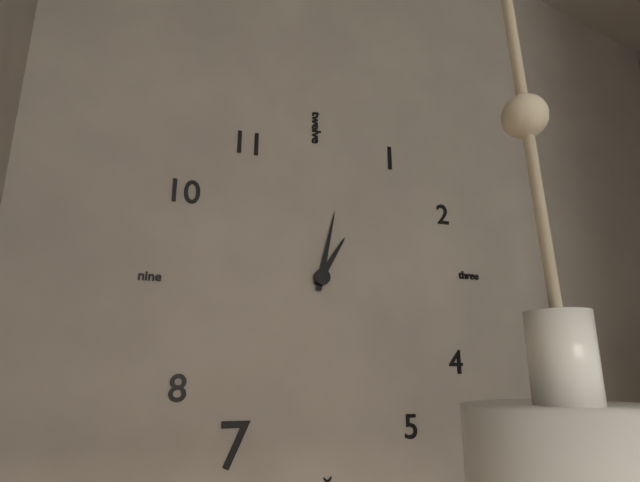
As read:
1:02
